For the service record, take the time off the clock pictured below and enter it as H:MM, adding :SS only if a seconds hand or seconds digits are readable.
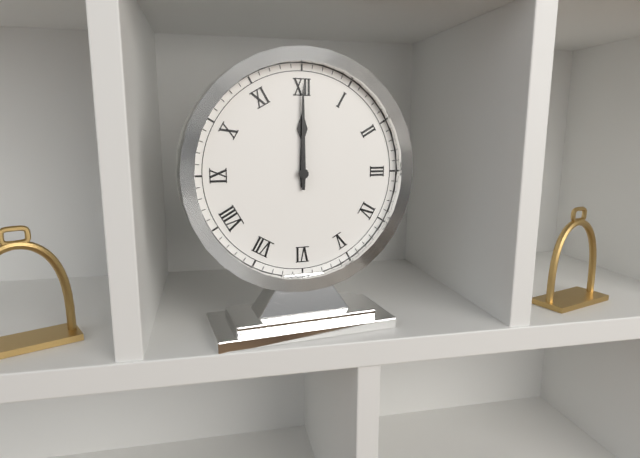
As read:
12:00
